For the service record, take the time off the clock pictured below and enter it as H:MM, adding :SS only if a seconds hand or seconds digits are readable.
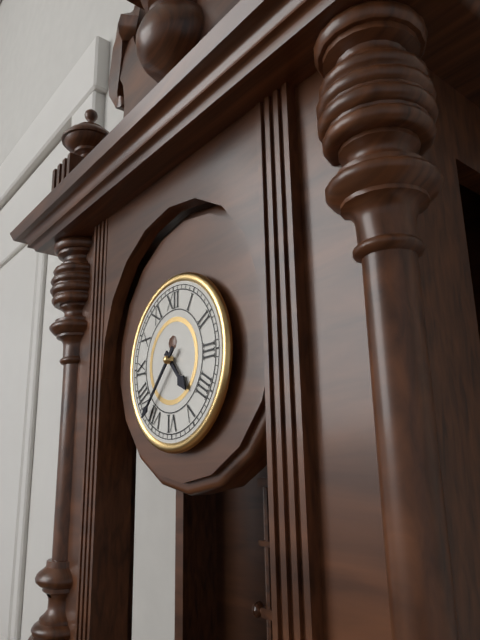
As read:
4:37
